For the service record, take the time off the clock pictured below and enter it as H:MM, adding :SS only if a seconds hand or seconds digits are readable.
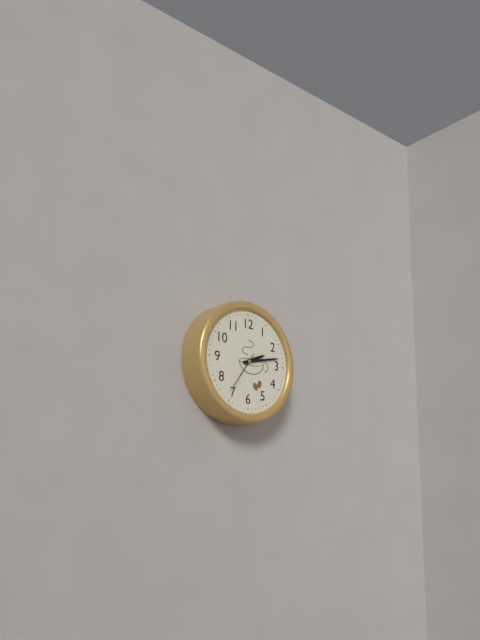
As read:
2:13
